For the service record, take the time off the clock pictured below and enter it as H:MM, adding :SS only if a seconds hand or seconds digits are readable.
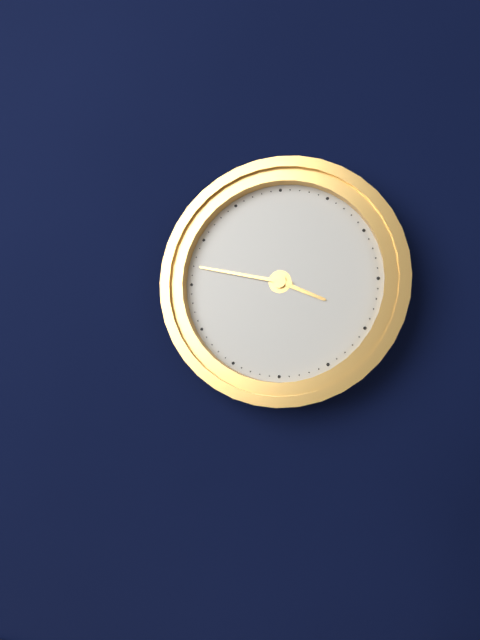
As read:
3:47
